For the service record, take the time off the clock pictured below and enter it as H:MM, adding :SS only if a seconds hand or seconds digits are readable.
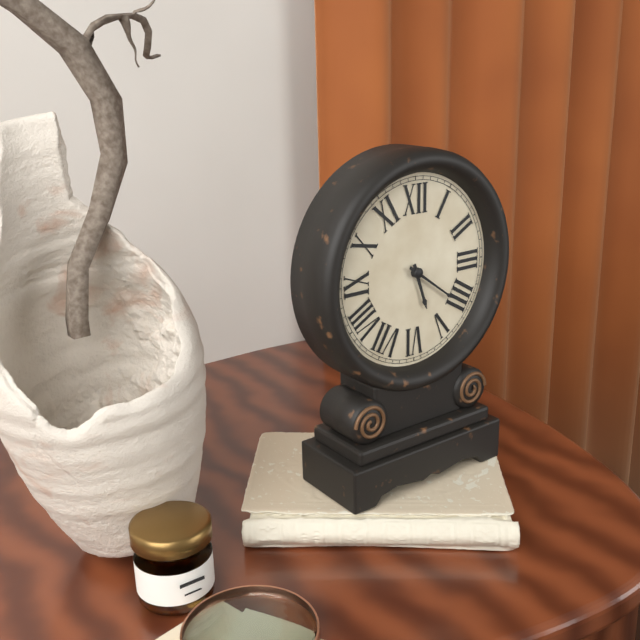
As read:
5:21
